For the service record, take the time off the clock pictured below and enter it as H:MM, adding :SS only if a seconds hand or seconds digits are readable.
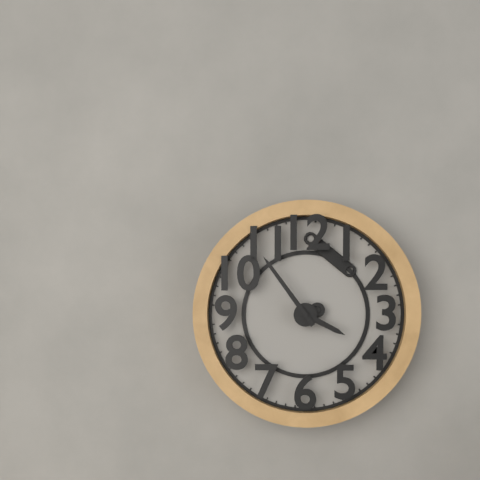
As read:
3:54
